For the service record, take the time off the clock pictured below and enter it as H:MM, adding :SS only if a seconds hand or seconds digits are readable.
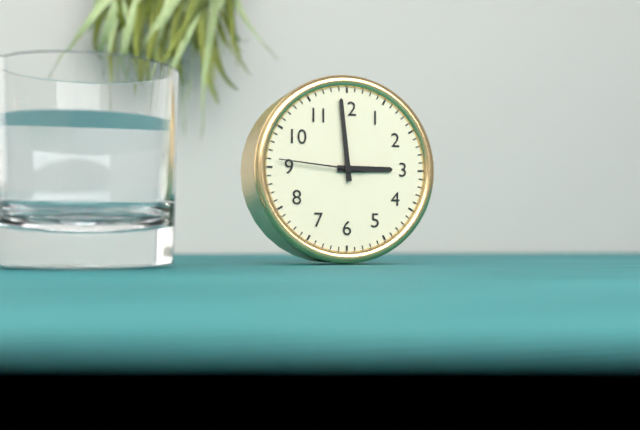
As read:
2:59:46
